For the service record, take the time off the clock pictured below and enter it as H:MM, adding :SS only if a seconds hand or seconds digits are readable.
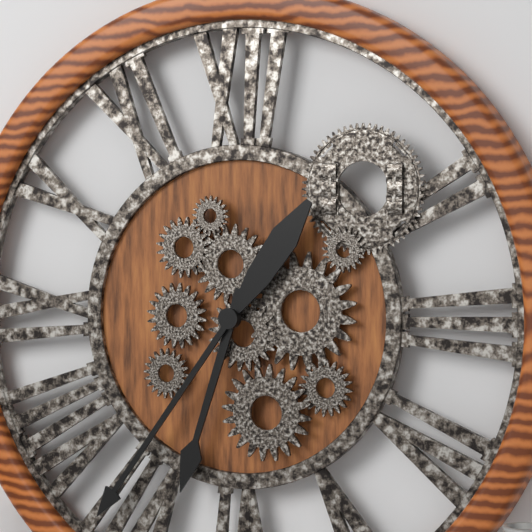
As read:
6:36
